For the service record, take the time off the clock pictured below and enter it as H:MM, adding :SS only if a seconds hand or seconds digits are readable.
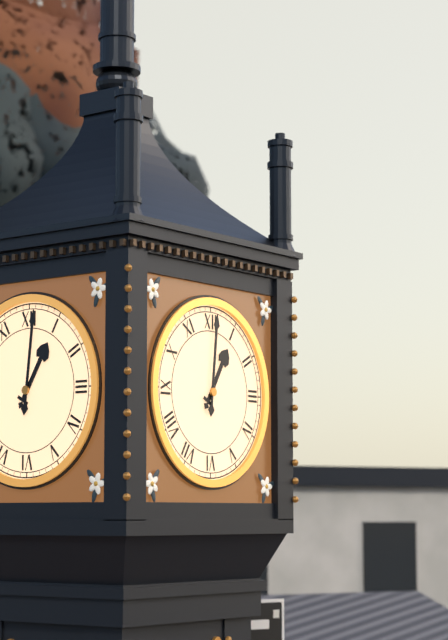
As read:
1:01
